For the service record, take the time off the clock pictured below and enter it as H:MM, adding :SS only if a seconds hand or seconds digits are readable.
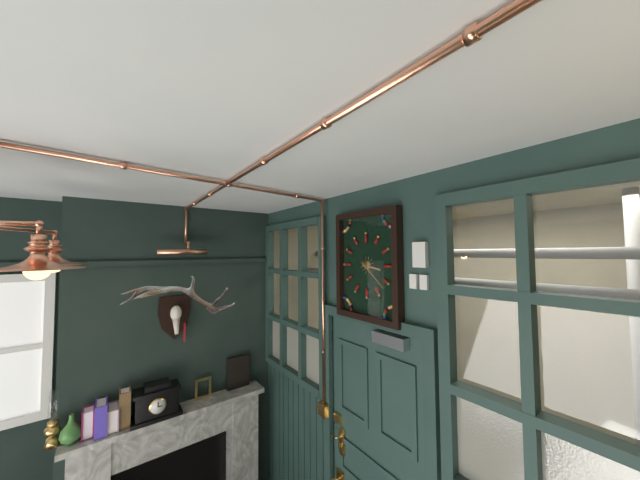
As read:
3:22
